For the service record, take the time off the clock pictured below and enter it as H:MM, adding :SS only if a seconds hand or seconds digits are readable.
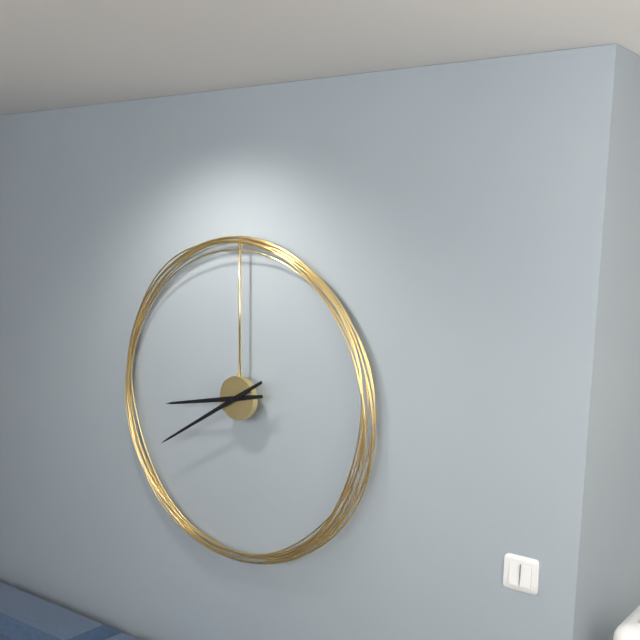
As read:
8:40
